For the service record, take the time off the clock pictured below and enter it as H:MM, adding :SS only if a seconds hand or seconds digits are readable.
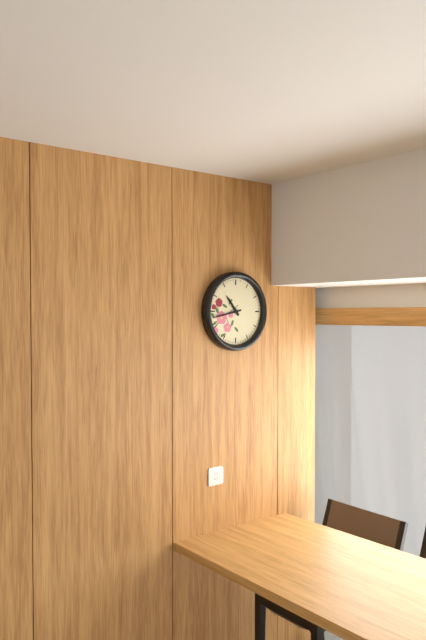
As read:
10:43
